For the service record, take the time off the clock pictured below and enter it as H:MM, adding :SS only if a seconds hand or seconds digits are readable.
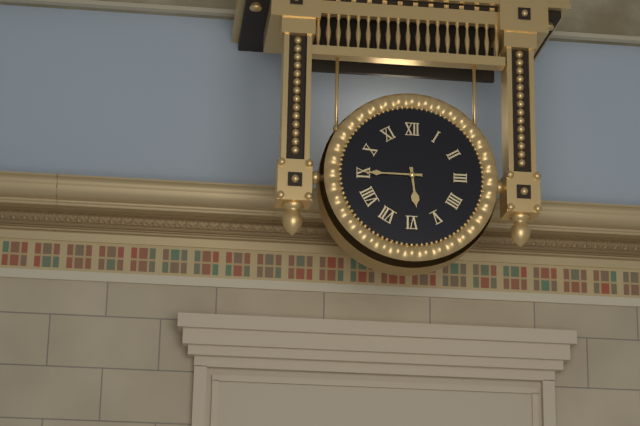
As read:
5:45
